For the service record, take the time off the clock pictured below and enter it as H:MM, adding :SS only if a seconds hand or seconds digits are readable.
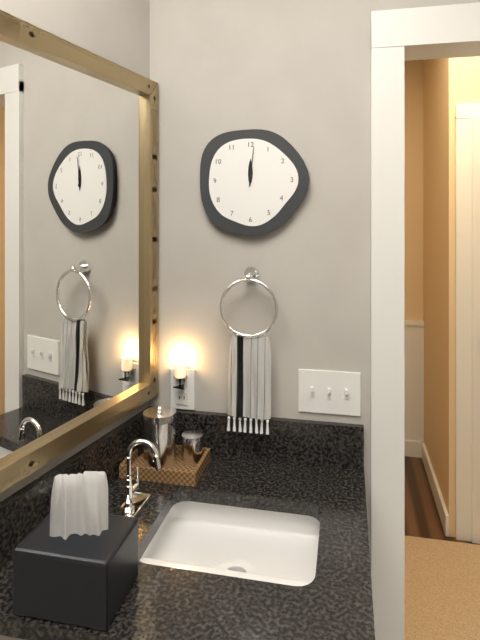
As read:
12:01
